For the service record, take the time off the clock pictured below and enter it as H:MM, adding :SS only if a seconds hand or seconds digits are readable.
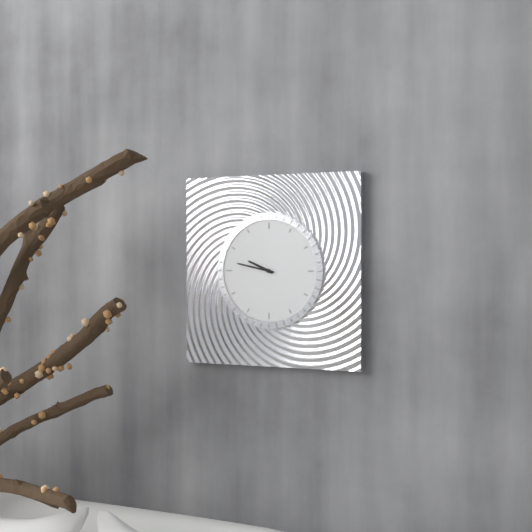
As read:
9:47
